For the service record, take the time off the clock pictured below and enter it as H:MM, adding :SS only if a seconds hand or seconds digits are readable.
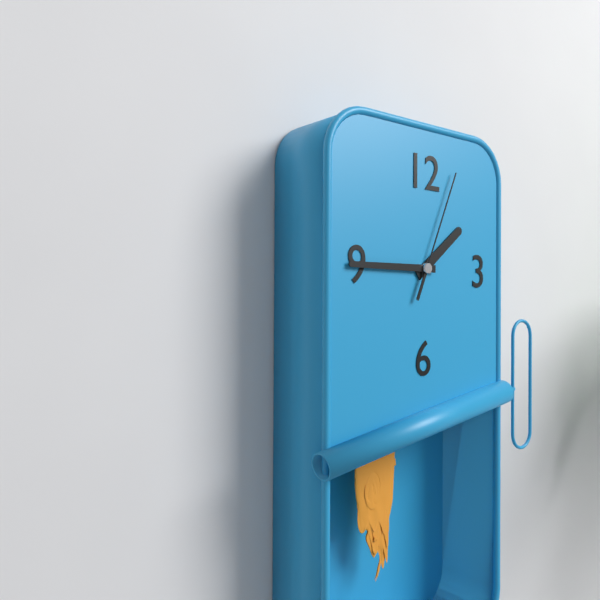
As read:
1:45:04
